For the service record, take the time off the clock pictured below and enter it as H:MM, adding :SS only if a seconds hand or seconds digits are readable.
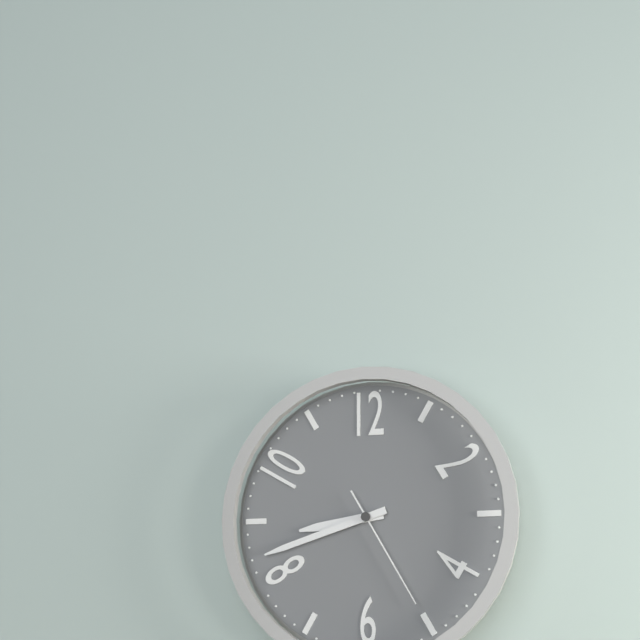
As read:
8:42:25
